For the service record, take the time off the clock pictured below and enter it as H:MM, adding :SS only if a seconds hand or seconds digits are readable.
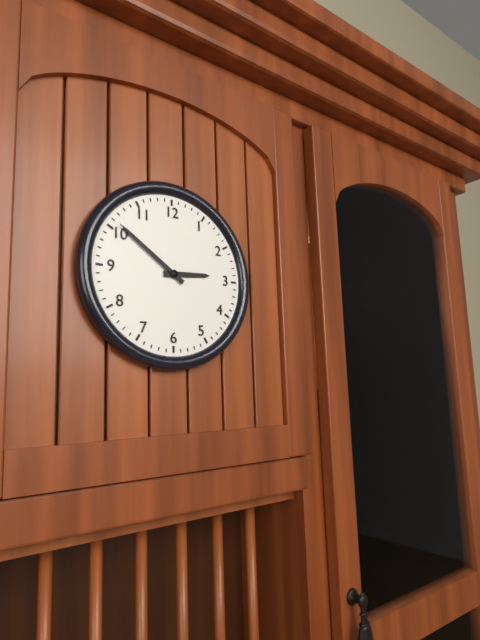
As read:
2:51
